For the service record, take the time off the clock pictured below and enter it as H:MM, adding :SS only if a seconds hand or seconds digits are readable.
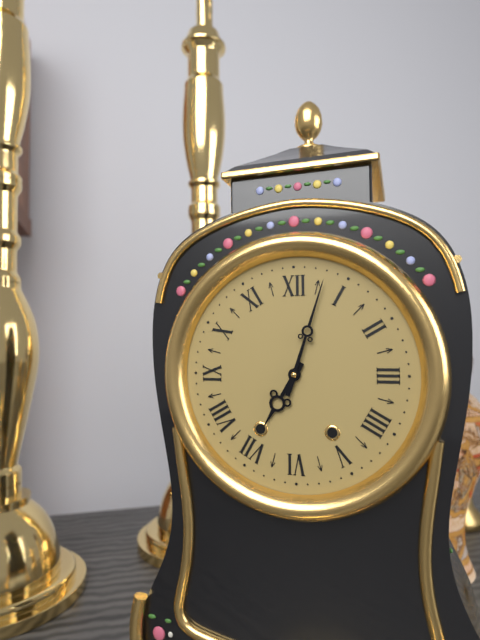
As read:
7:03
